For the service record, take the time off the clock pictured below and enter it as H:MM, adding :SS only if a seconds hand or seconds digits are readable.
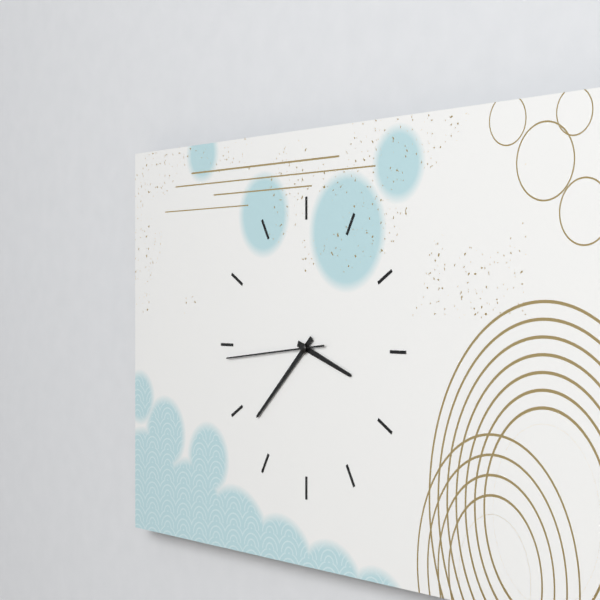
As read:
3:38:44
